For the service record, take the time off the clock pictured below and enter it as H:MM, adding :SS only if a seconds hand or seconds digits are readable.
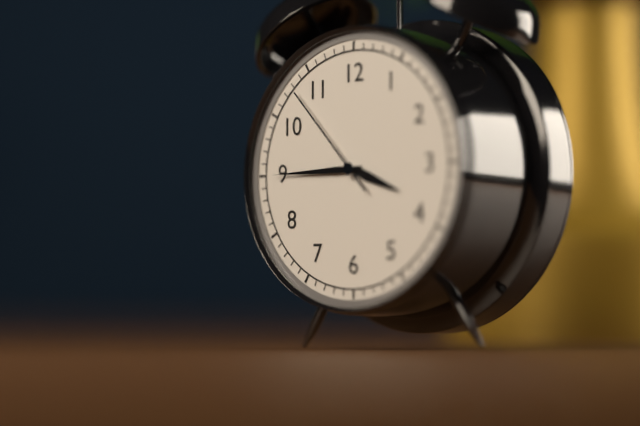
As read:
3:45:53
